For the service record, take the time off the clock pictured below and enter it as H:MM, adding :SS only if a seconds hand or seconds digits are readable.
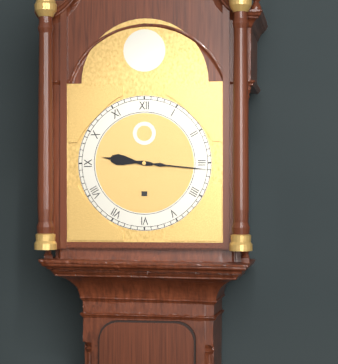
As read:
9:16
